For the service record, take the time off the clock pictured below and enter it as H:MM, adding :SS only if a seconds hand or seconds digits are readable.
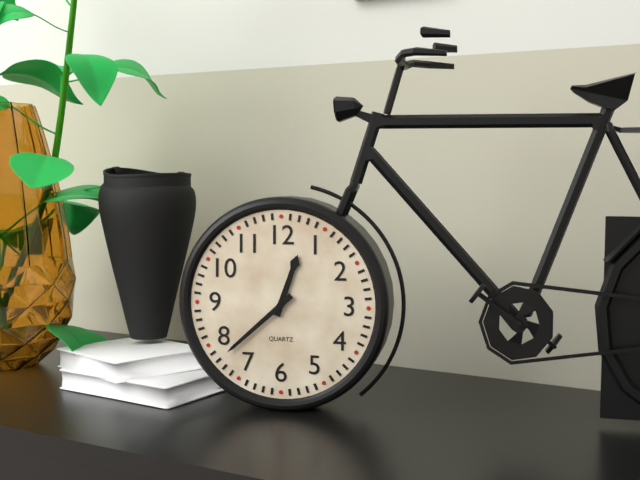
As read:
12:38
